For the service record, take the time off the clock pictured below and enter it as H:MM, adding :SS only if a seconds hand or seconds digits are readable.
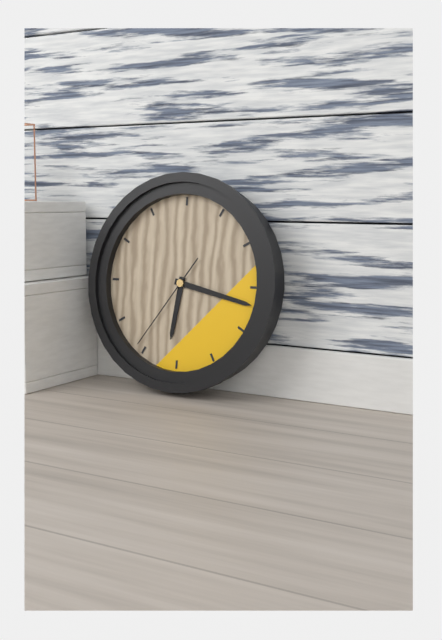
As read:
6:17:36
